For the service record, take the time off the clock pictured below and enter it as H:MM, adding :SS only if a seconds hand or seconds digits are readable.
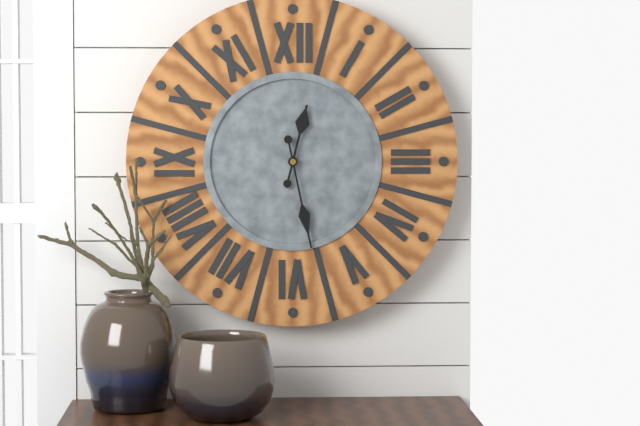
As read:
12:28
